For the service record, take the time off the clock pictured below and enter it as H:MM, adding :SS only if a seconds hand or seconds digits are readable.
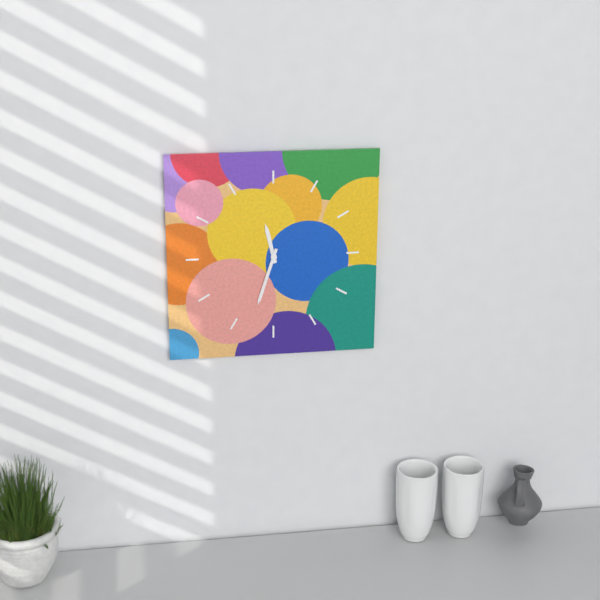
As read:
11:33
